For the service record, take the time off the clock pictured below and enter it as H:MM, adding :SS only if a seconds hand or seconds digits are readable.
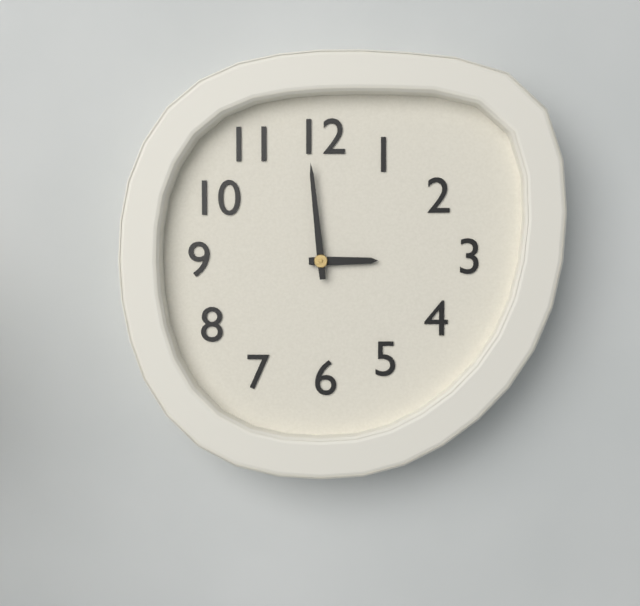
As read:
2:59
